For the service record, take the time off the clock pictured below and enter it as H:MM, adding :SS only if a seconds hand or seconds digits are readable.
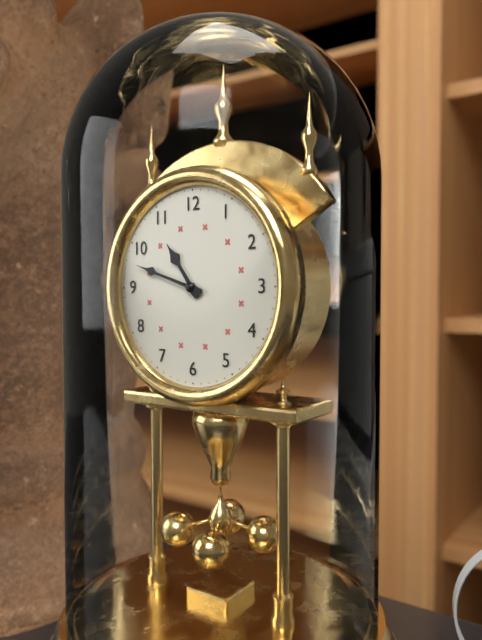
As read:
10:48
